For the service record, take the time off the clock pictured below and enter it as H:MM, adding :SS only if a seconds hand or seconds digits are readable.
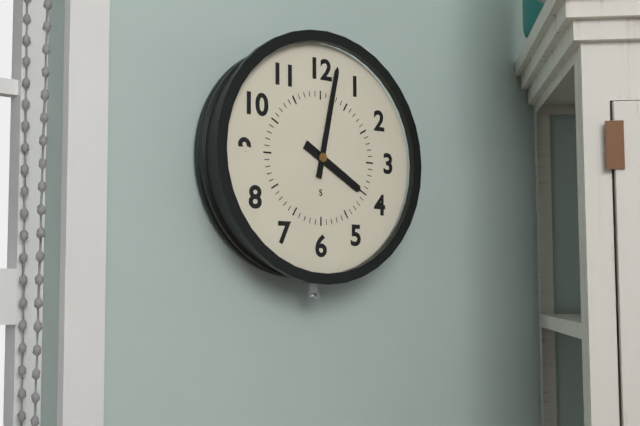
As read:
4:02
